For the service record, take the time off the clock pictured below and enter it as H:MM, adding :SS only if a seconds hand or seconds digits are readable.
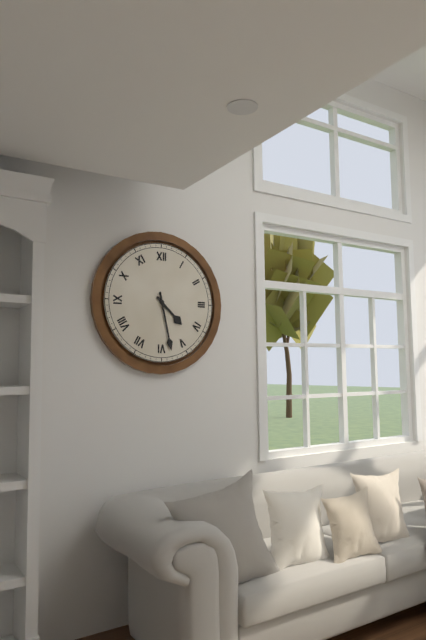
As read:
4:28
